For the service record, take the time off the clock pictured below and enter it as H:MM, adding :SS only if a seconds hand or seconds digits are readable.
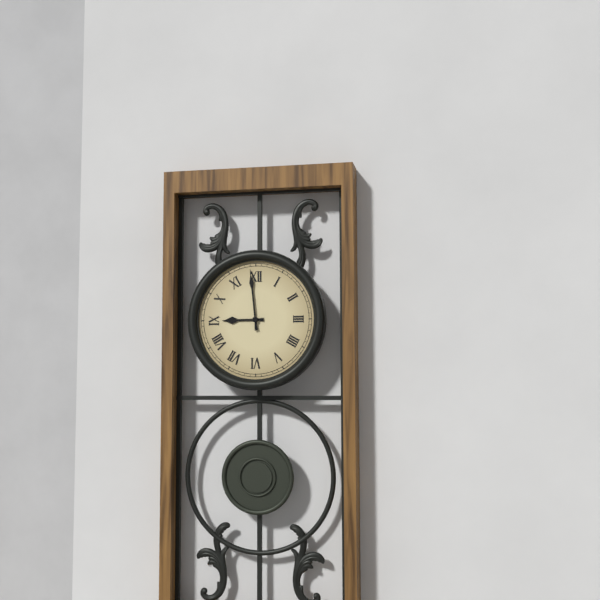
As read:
8:59
